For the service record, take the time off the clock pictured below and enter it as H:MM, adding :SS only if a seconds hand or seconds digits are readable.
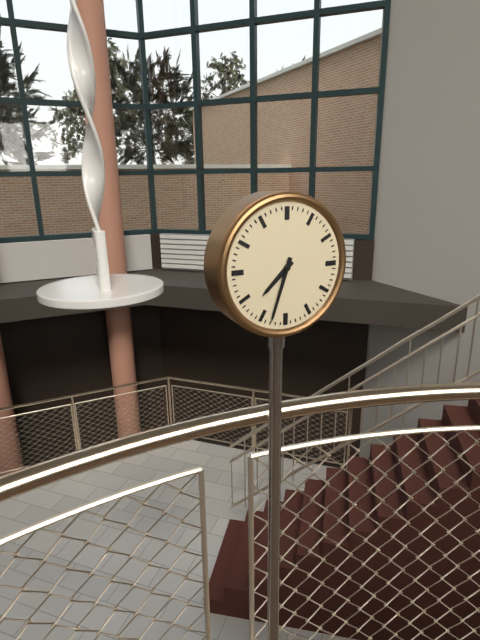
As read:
7:33
